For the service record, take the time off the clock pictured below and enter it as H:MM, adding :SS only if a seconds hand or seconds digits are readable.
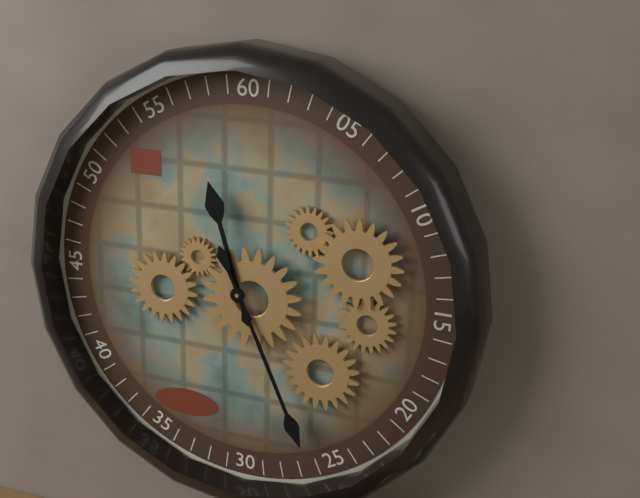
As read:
11:26
